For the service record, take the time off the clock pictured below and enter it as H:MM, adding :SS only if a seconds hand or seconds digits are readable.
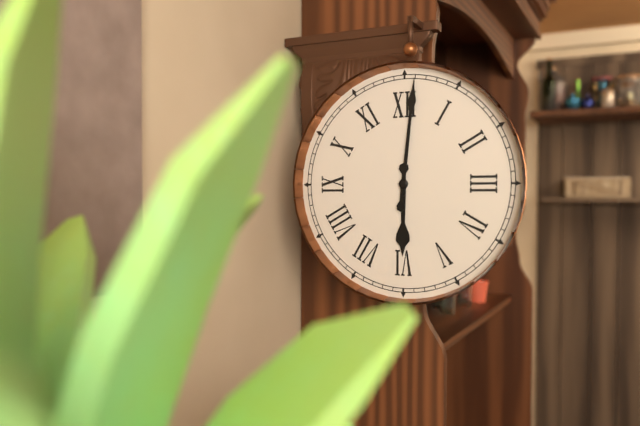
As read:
6:01
